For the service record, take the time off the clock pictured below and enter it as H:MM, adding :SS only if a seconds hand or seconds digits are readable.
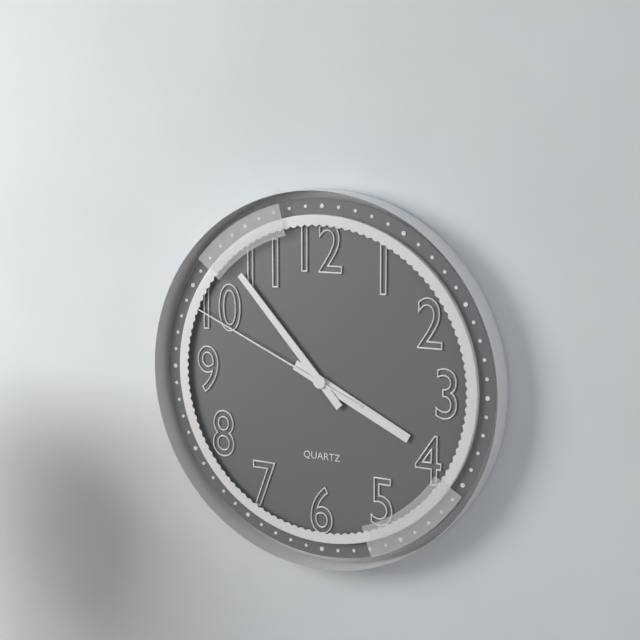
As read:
3:53:49
